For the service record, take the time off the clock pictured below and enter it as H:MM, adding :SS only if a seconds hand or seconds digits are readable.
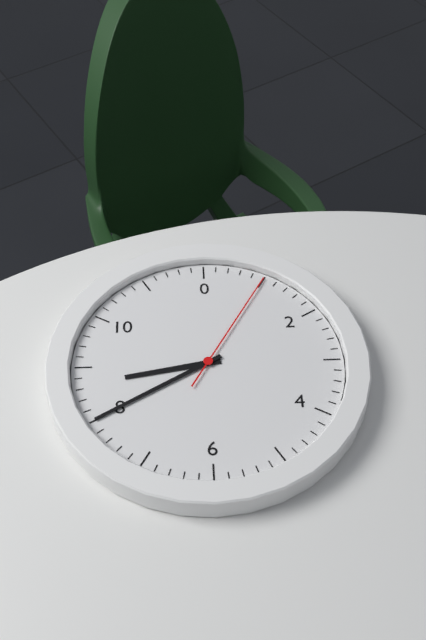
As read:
8:40:05
